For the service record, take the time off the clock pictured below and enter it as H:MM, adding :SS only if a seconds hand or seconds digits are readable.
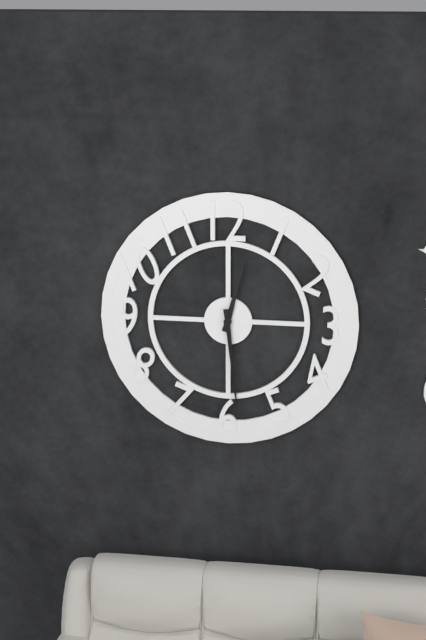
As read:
12:29
